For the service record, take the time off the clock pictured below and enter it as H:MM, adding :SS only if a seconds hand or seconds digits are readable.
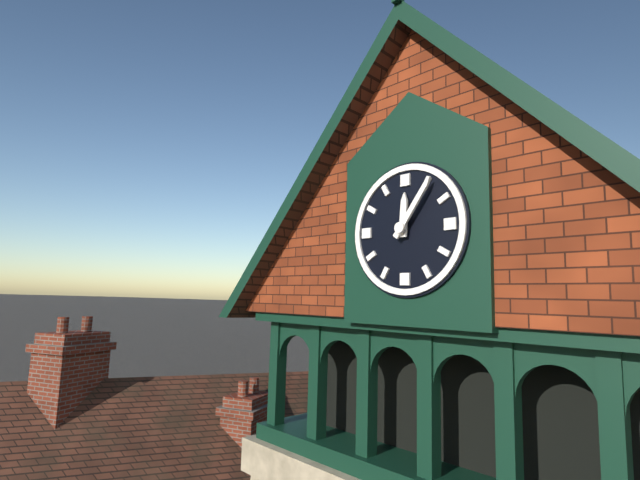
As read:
12:06
